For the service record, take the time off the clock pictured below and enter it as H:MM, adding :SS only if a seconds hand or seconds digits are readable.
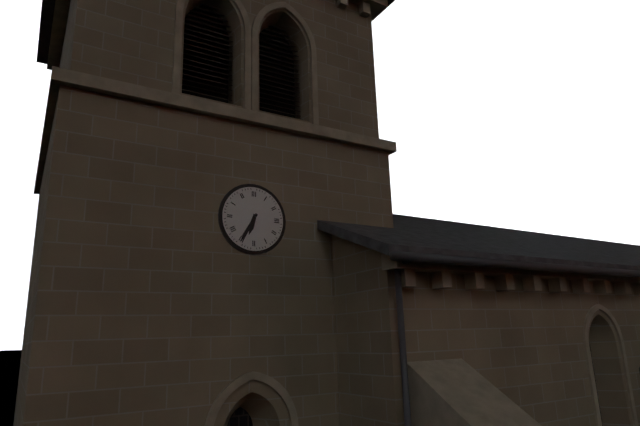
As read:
6:35
